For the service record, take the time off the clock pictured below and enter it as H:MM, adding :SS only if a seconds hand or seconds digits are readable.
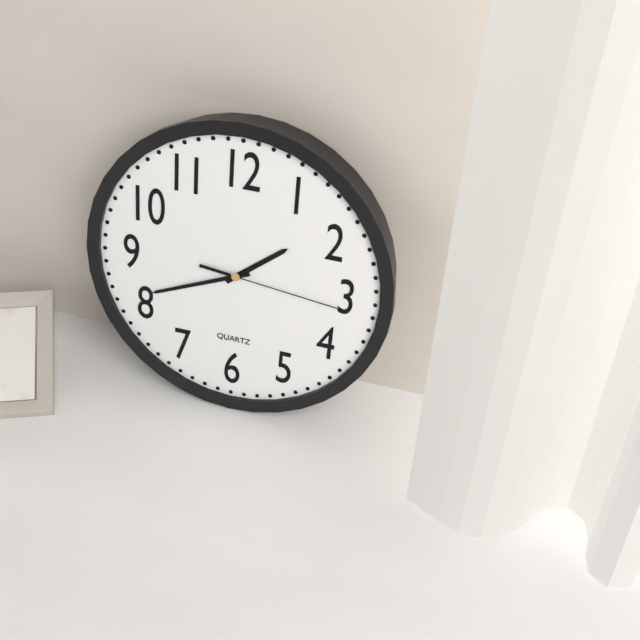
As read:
1:41:16
